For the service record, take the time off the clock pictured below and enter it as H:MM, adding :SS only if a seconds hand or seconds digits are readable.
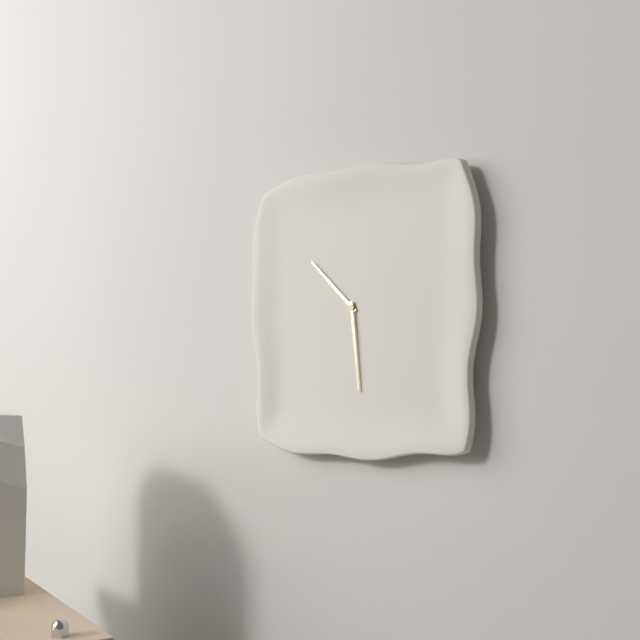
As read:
10:29
